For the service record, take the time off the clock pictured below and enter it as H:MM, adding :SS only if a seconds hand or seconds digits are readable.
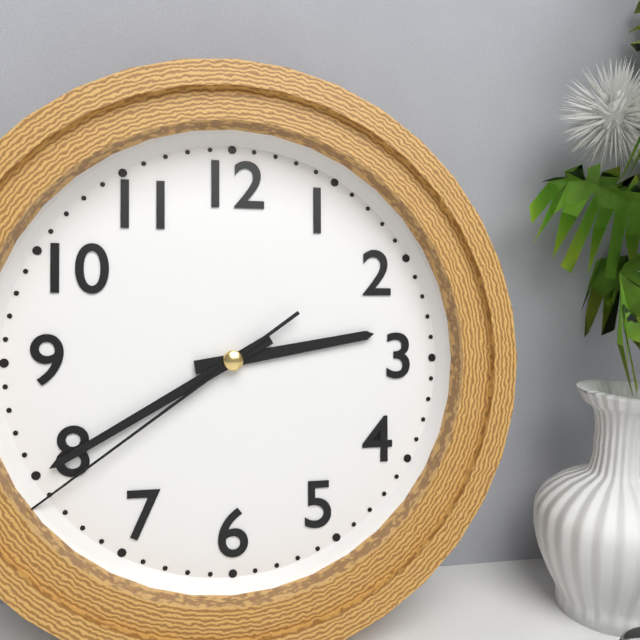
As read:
2:40:39
